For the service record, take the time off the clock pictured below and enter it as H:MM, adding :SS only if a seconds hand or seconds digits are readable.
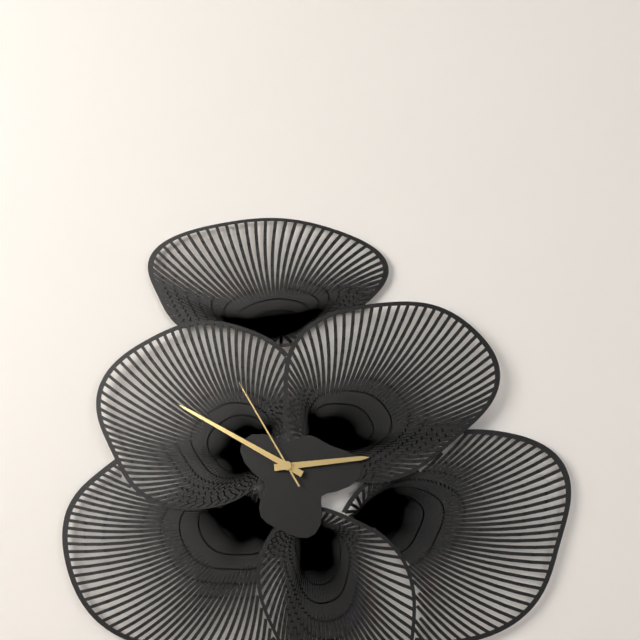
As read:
2:50:55
